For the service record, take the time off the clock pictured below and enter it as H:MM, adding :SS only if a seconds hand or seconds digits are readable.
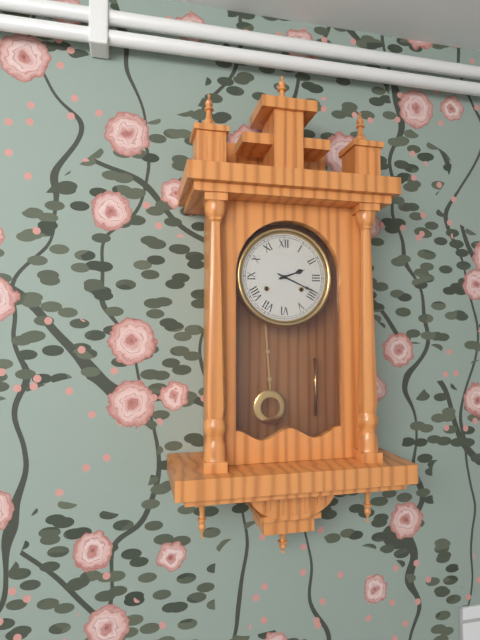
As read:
2:19
